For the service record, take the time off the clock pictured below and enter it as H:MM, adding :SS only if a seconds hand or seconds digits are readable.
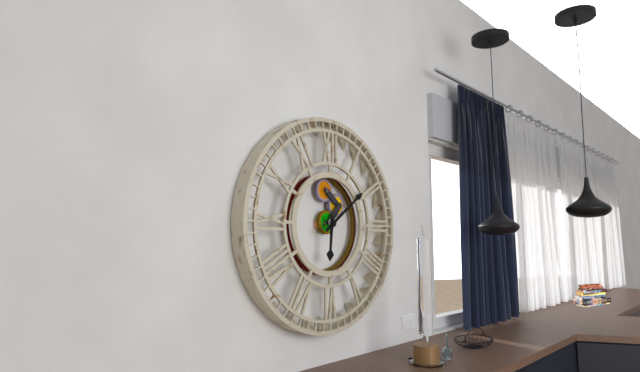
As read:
6:09
